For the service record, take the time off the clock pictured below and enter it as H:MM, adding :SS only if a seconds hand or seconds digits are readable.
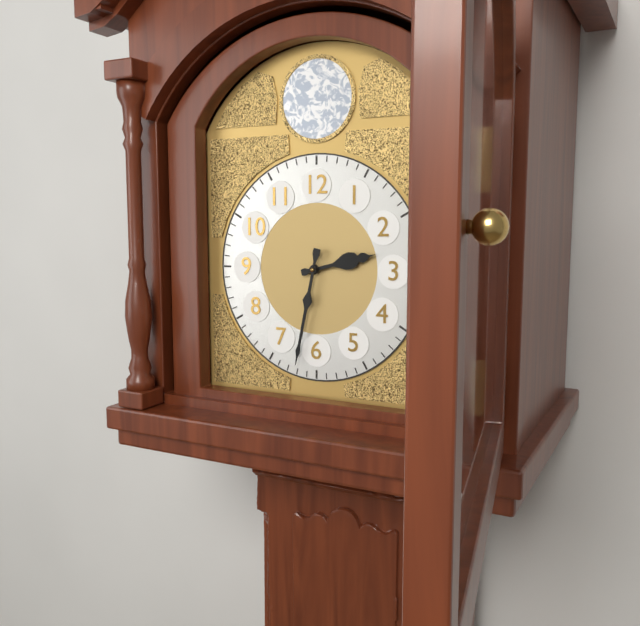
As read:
2:32
